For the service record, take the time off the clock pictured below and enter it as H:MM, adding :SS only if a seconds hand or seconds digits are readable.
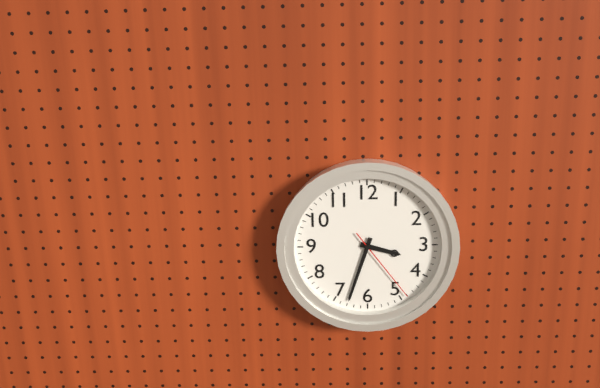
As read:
3:33:24
